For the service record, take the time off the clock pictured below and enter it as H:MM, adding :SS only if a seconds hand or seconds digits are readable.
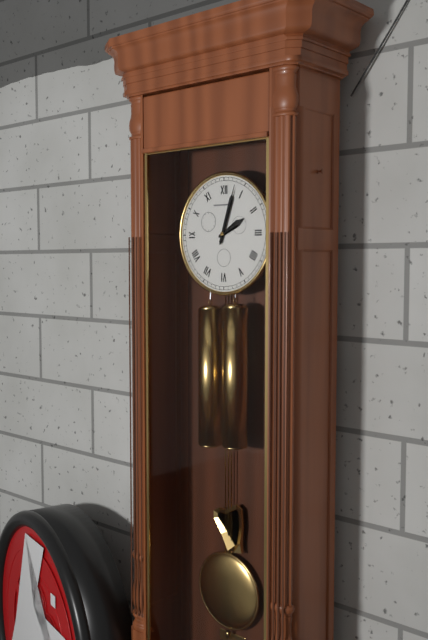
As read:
2:03
